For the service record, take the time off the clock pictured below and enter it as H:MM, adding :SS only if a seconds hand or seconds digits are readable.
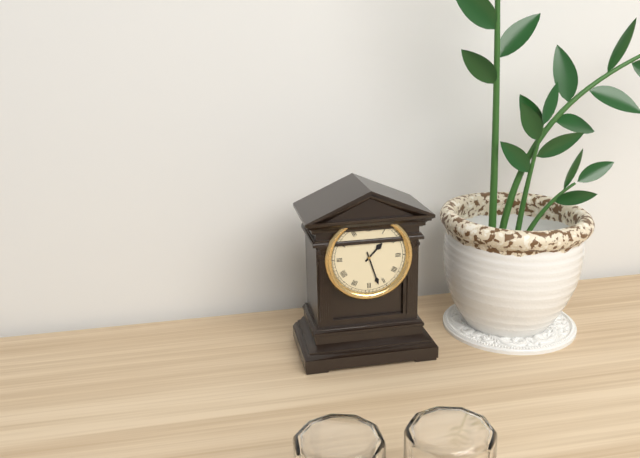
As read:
1:27
